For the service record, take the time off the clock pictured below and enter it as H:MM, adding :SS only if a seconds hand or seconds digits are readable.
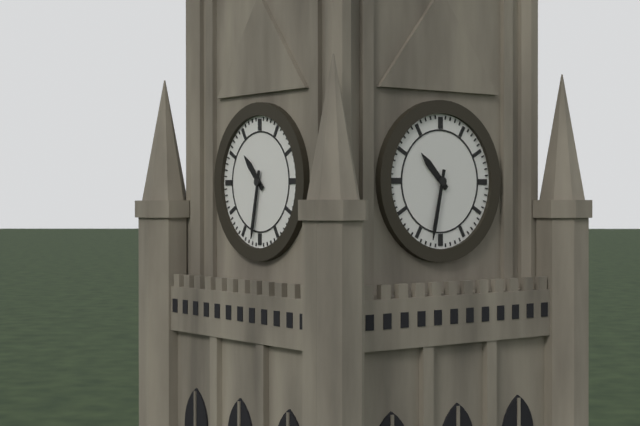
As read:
10:32
